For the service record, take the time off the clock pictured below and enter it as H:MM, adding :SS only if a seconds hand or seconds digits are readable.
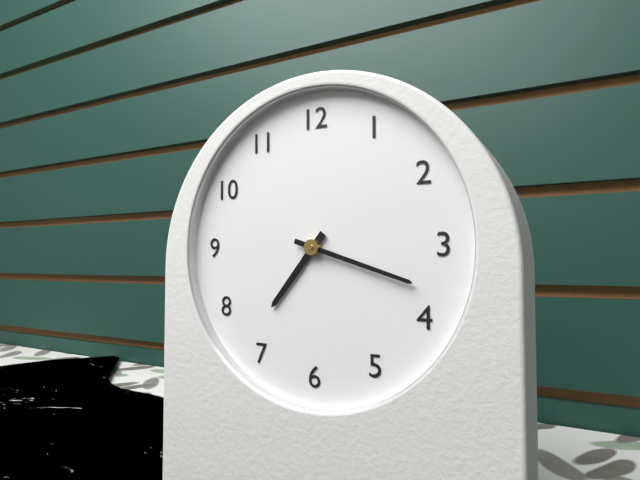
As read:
7:18
